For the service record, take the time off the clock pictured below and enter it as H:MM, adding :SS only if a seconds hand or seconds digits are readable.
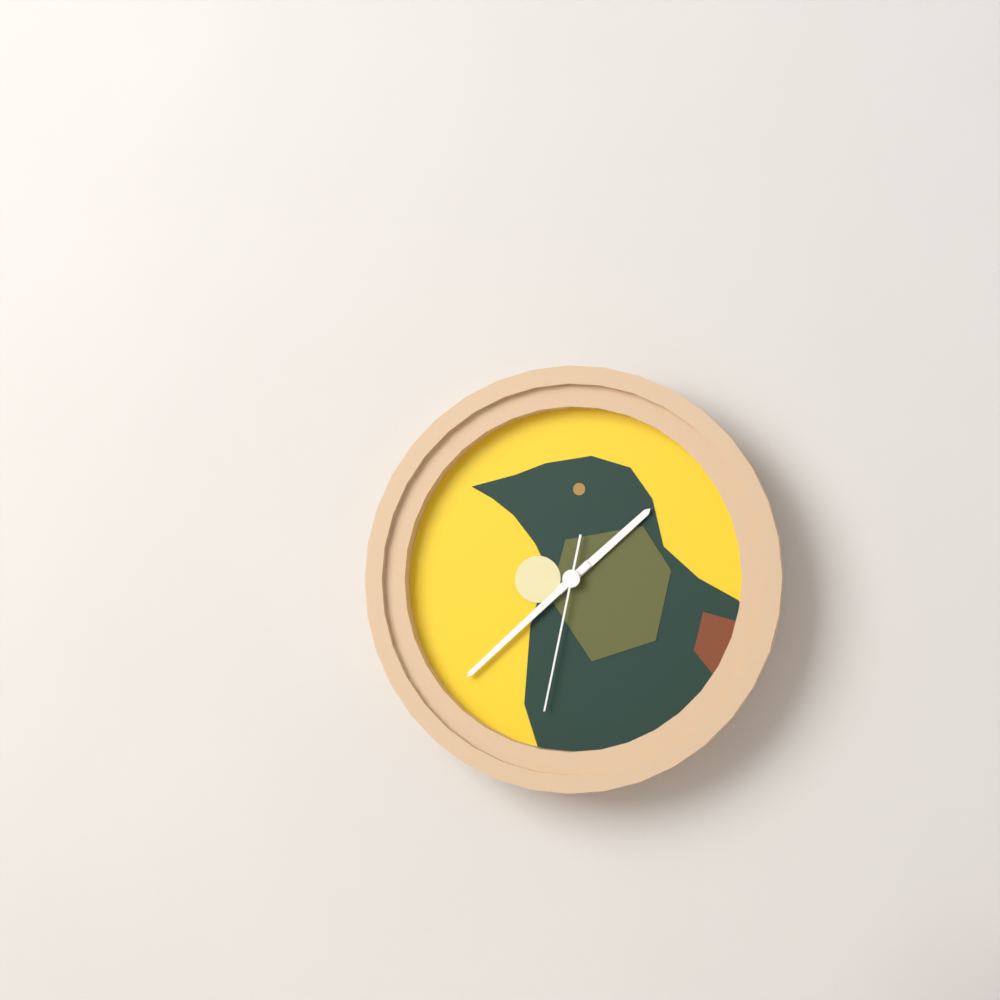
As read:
1:38:32
